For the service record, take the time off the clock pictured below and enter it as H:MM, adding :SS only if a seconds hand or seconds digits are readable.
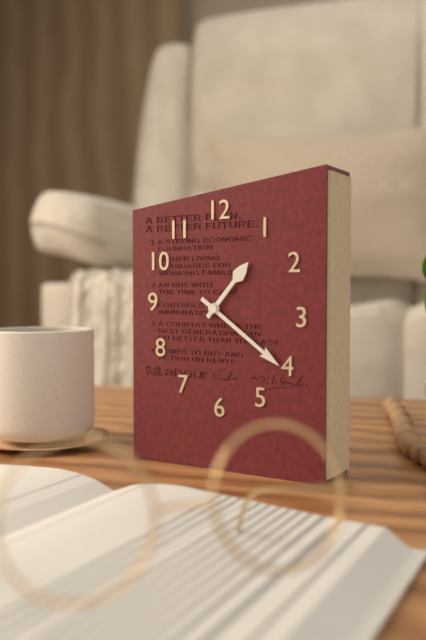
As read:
1:21
